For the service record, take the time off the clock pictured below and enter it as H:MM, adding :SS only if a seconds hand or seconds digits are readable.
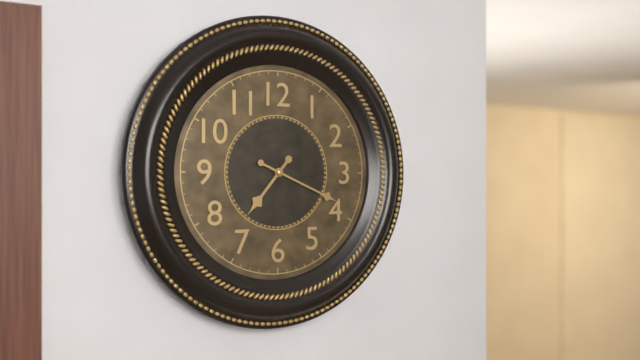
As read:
7:19
